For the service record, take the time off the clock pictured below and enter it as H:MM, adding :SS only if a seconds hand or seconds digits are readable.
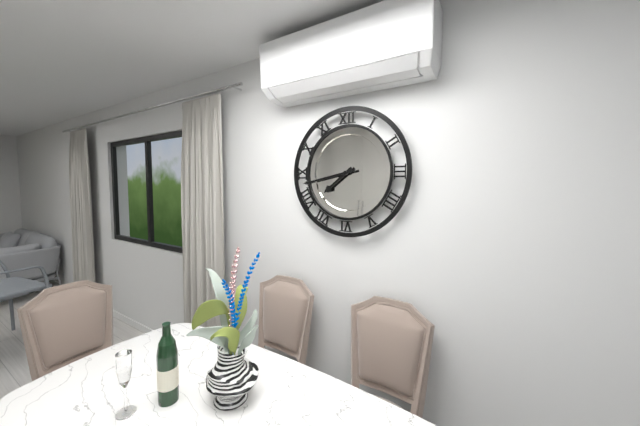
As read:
7:43
